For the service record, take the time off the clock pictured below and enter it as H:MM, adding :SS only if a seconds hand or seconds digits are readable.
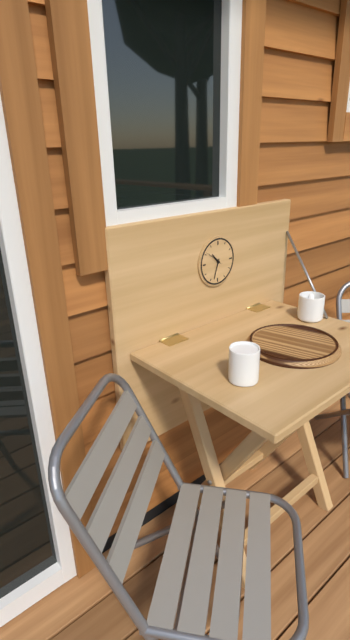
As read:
10:33
